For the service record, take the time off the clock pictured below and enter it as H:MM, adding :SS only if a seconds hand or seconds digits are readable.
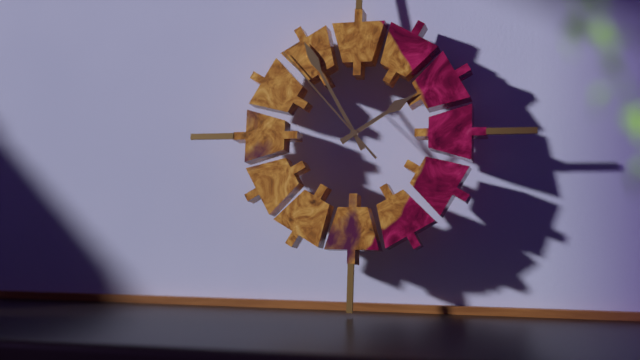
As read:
1:55:53
